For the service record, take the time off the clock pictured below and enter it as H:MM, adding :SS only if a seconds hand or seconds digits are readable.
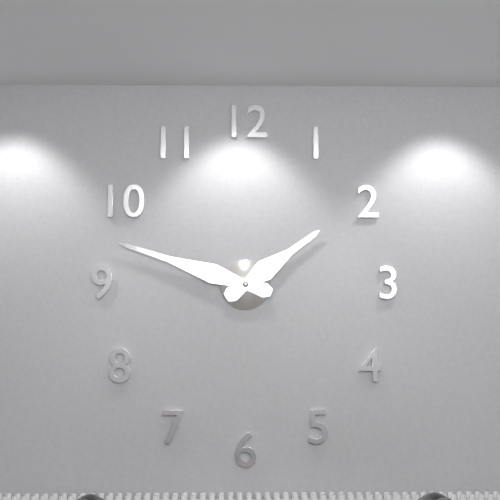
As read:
1:48
